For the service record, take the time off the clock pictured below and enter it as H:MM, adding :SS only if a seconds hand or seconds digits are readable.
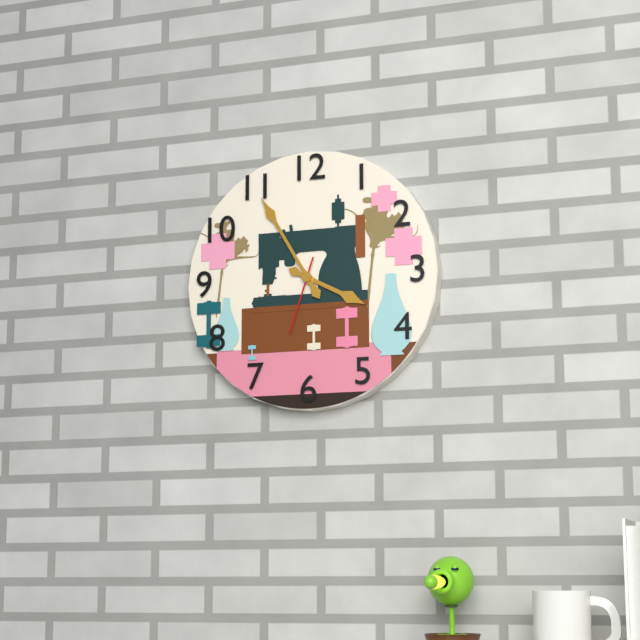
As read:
3:55:33
